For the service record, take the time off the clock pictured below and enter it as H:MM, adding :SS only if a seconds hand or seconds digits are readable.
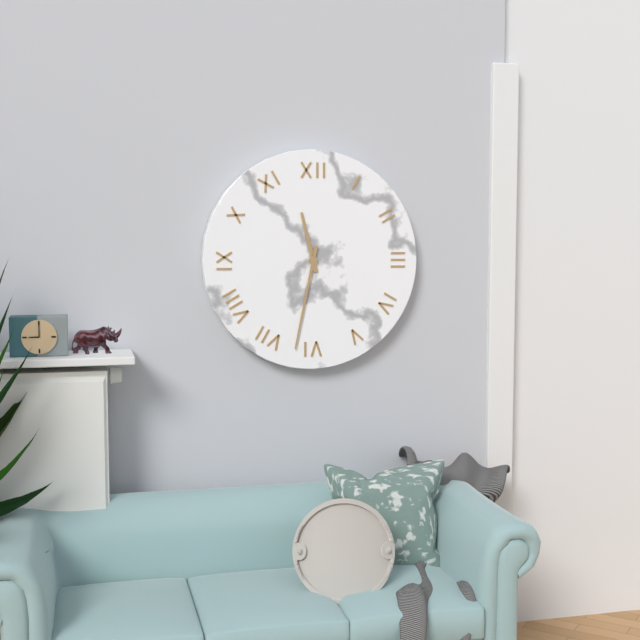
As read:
11:32
